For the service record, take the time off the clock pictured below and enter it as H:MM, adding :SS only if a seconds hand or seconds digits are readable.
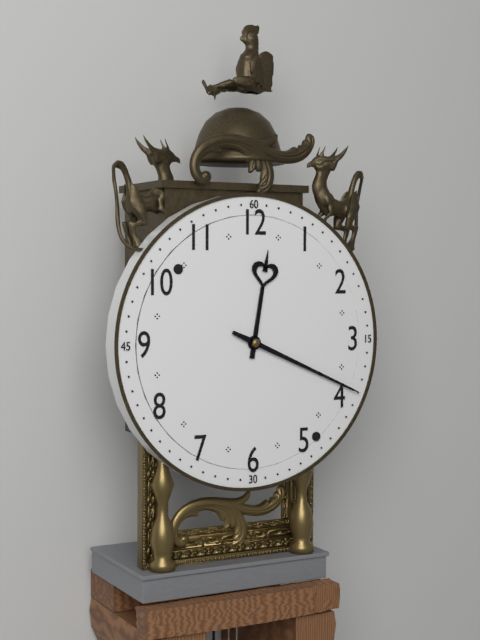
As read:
12:19
